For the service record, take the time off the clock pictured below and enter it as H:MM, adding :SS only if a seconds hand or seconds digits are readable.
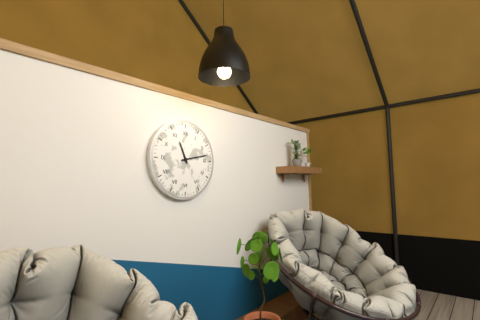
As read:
11:13
